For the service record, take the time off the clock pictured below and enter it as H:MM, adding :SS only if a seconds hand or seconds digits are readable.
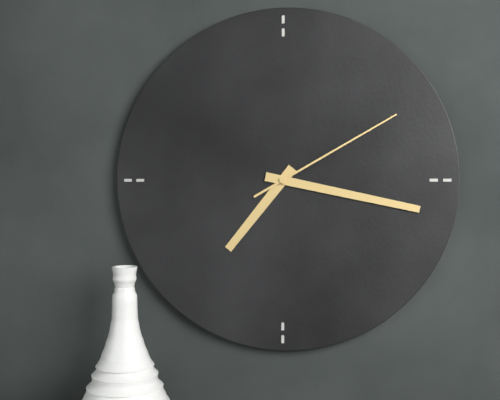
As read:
7:17:10
